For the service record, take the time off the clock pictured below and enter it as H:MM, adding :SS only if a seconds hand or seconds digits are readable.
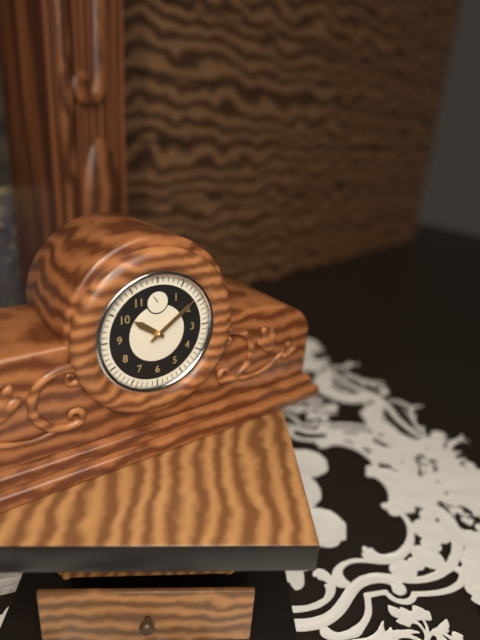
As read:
10:09
